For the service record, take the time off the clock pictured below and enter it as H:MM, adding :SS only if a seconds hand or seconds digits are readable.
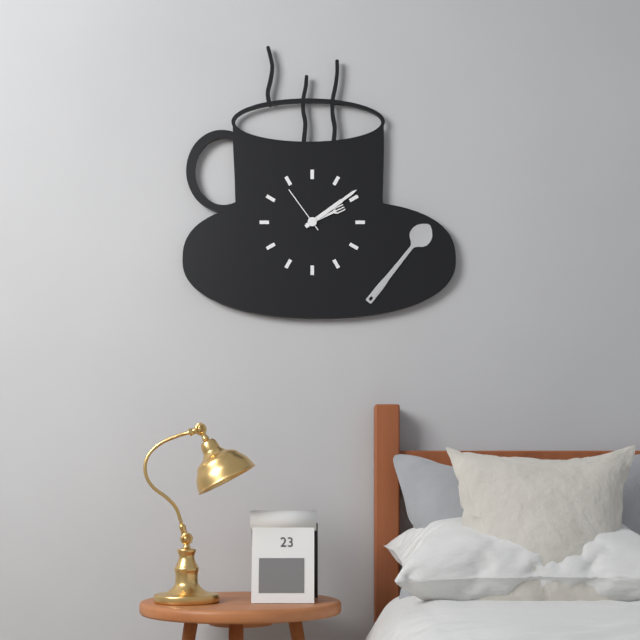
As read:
2:09:54
